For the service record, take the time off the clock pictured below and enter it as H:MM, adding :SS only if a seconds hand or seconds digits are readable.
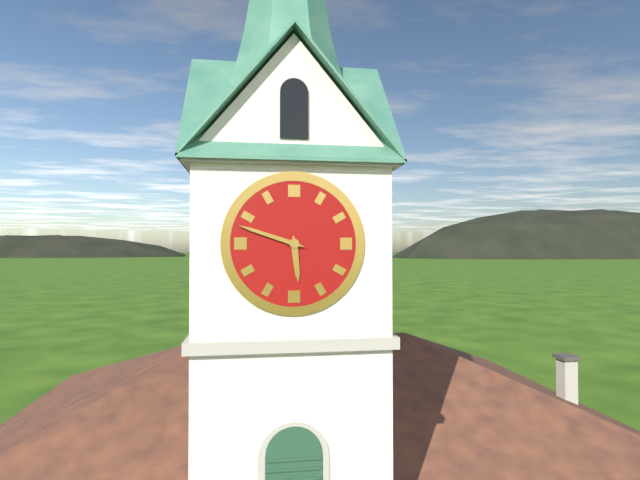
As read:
5:48
